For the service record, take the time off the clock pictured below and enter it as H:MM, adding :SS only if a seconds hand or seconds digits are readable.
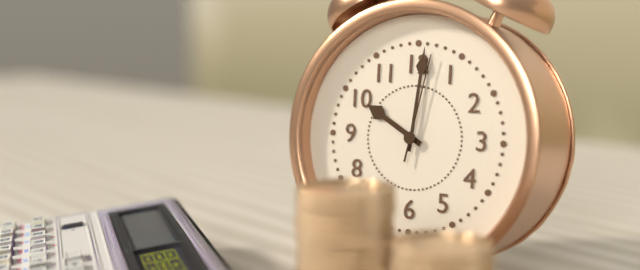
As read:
10:01:02
